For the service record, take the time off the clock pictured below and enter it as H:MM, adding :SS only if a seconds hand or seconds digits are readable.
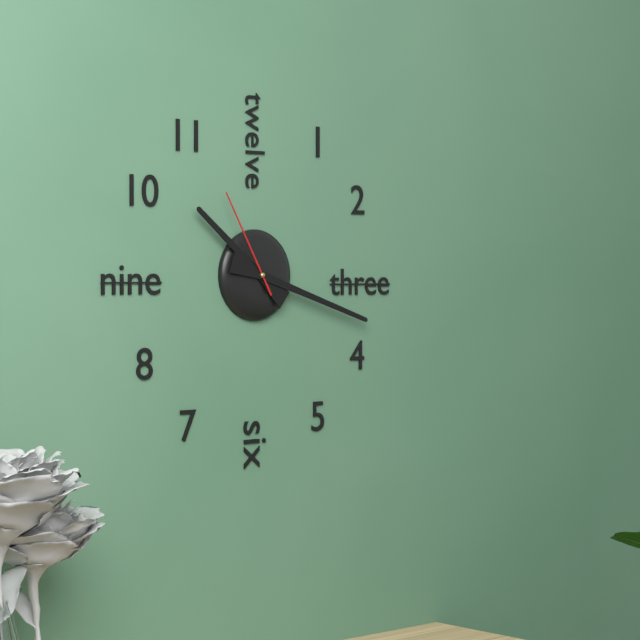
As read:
10:18:55
